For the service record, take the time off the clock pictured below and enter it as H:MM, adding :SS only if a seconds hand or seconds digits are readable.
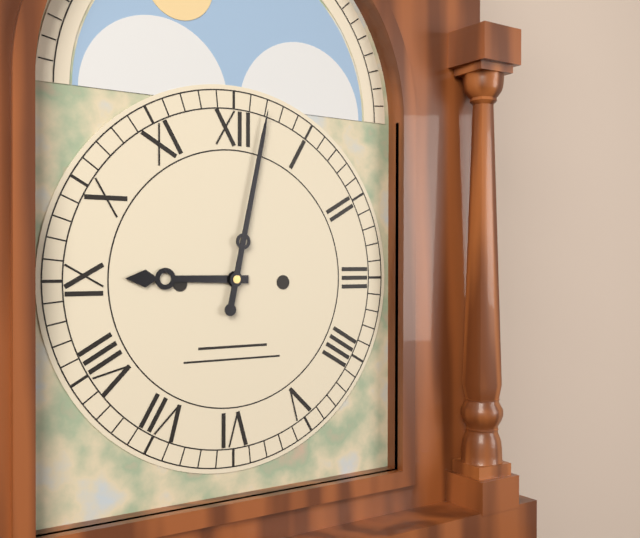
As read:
9:02
